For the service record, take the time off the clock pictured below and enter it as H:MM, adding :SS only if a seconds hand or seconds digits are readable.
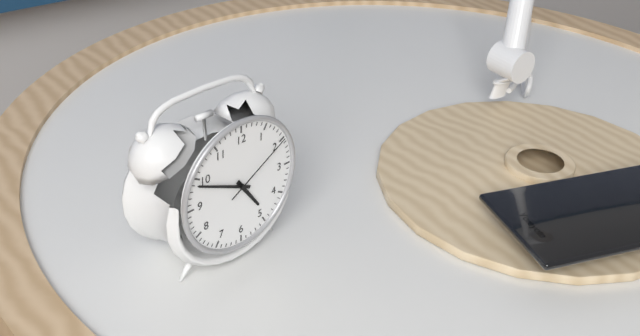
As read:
4:49:10
